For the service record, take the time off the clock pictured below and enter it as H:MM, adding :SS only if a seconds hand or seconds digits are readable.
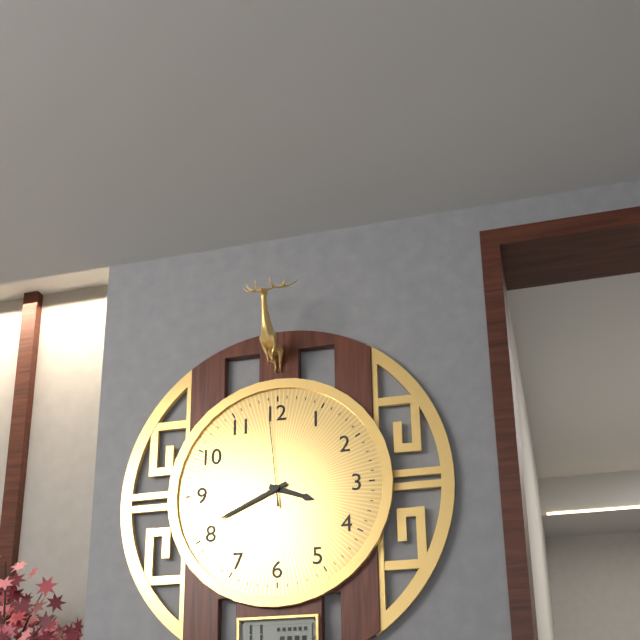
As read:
3:41:59
